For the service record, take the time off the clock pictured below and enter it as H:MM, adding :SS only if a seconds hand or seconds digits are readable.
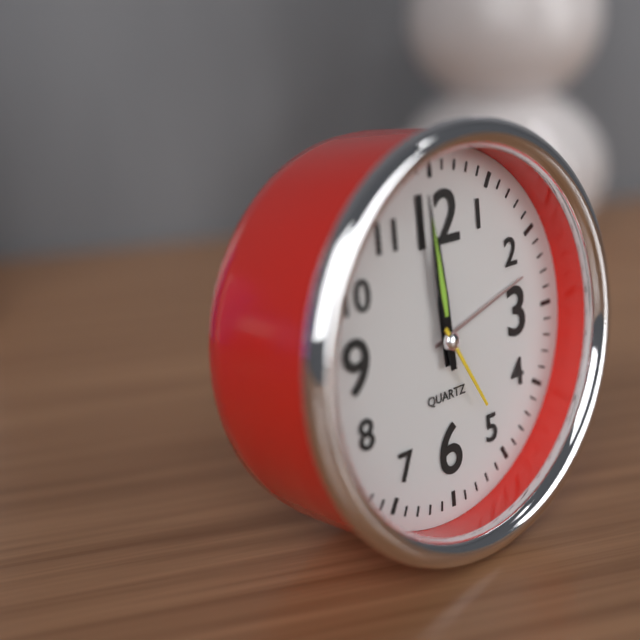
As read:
11:59:25
